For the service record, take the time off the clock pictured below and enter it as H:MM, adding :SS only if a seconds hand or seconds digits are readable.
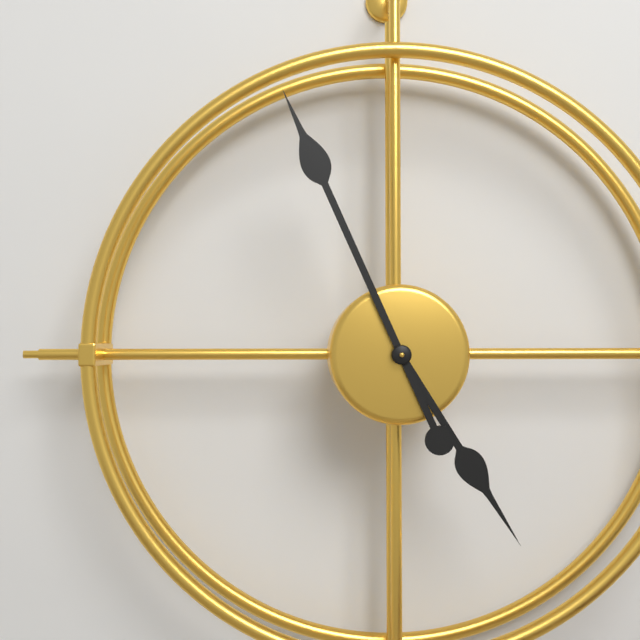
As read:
4:56
